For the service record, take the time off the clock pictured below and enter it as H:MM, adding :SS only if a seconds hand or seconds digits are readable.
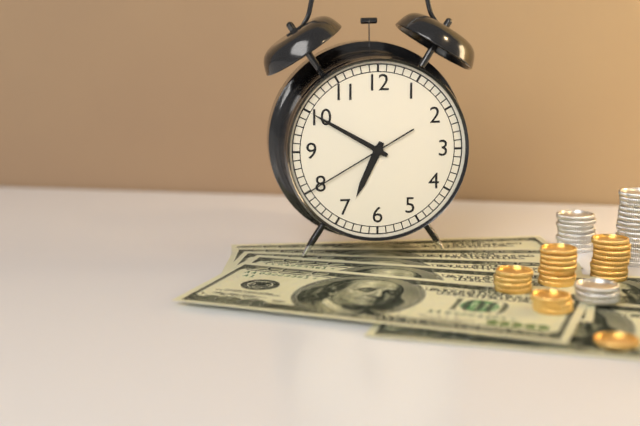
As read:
6:50:40
